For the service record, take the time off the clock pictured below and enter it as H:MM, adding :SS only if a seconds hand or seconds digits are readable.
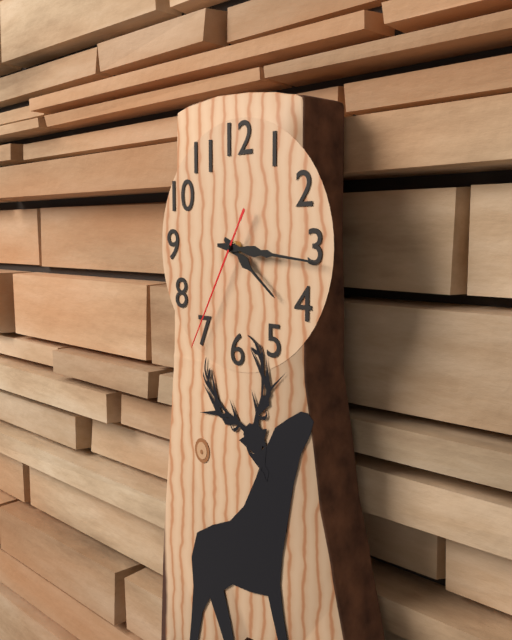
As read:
4:16:35
